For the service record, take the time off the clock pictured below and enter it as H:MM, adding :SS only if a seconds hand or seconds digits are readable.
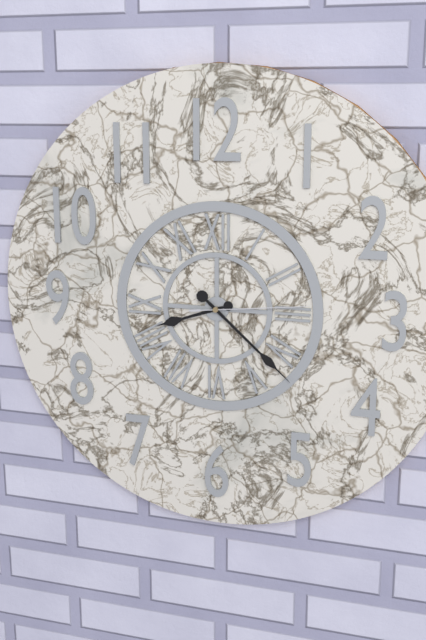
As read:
8:22:14
